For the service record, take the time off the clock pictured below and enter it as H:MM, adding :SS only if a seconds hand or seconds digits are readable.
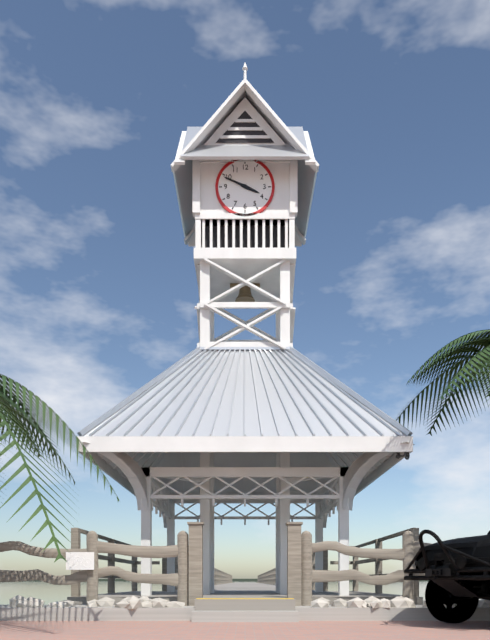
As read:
3:49
